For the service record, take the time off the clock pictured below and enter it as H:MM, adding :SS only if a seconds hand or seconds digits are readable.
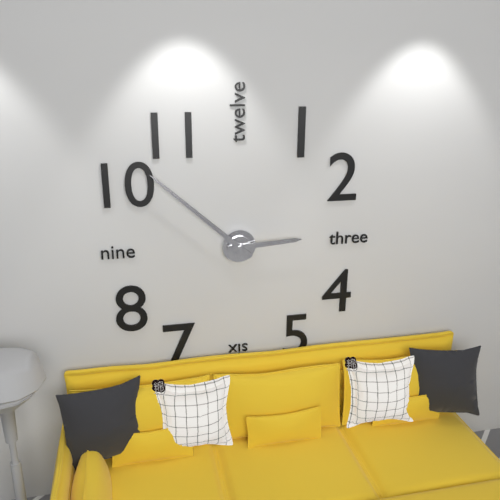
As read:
2:52
